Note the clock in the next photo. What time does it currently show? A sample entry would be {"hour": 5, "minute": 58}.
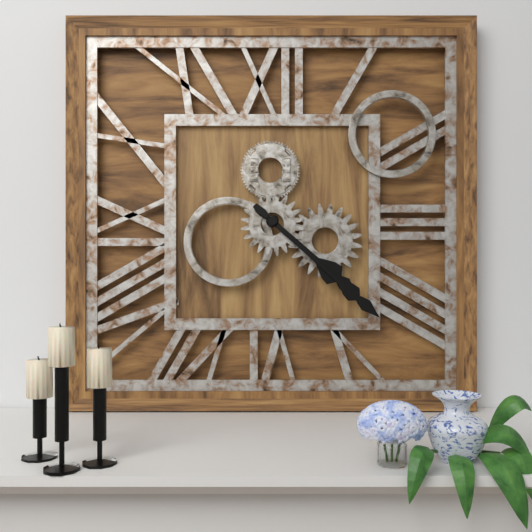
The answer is {"hour": 4, "minute": 22}
